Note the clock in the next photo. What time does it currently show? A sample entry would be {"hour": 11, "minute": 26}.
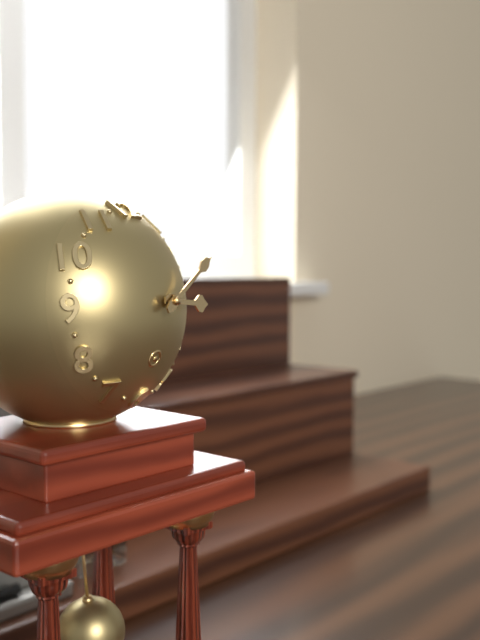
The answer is {"hour": 3, "minute": 10}
